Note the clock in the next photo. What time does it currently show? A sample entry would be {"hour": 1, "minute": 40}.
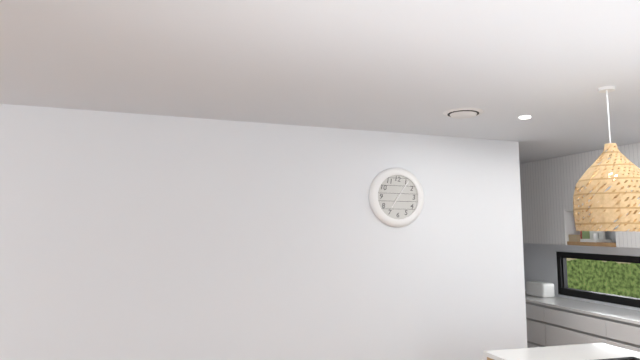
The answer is {"hour": 7, "minute": 6}
